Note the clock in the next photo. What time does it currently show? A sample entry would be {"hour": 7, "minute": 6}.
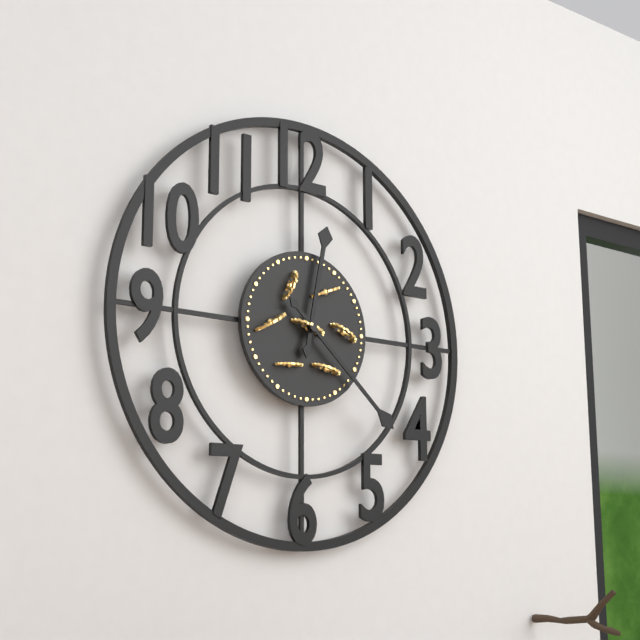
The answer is {"hour": 12, "minute": 22}
